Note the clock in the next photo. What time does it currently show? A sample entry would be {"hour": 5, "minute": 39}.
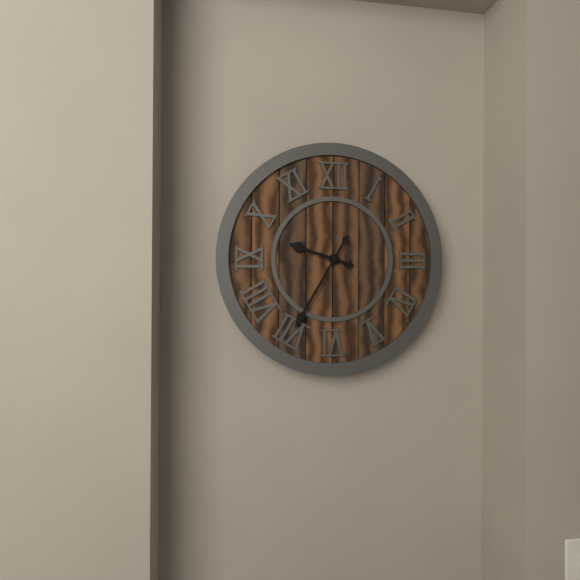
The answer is {"hour": 9, "minute": 35}
